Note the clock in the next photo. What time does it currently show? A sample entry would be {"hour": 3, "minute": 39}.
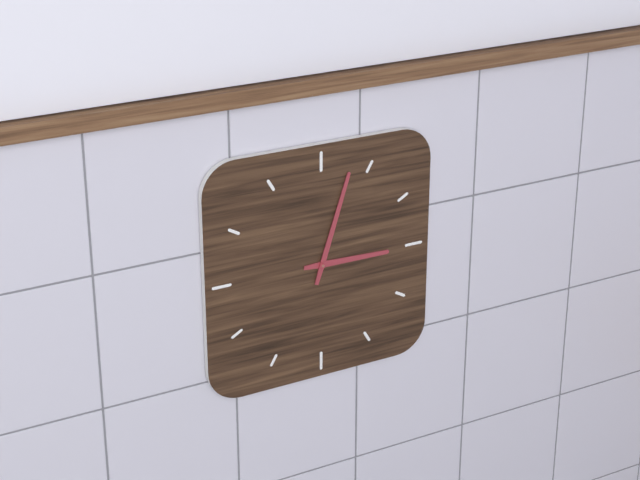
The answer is {"hour": 3, "minute": 3}
